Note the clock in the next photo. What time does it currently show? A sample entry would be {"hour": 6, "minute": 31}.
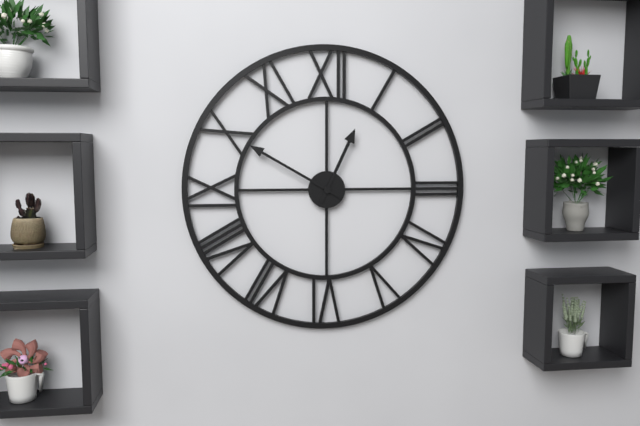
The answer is {"hour": 12, "minute": 50}
